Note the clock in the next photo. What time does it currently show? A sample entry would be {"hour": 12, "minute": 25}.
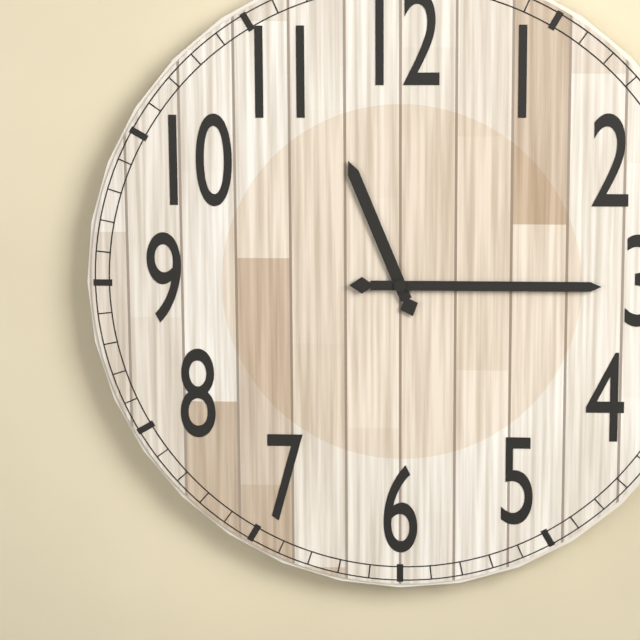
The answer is {"hour": 11, "minute": 15}
